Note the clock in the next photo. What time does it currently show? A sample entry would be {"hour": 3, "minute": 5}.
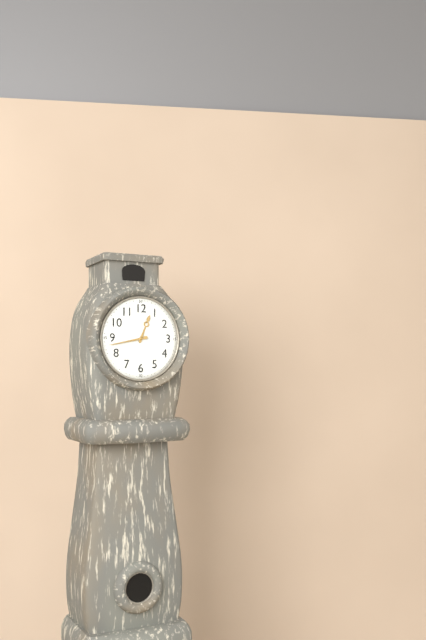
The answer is {"hour": 12, "minute": 43}
